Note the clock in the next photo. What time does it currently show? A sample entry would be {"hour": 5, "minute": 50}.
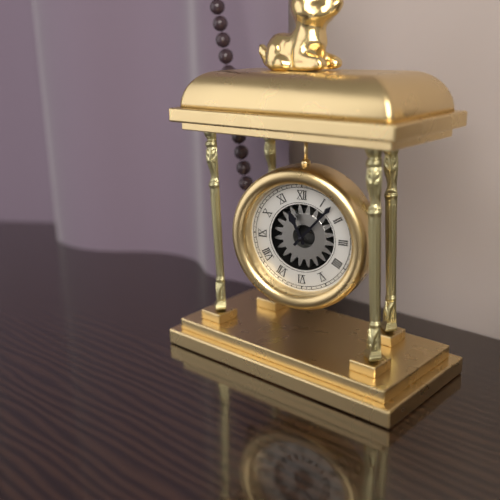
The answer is {"hour": 11, "minute": 7}
